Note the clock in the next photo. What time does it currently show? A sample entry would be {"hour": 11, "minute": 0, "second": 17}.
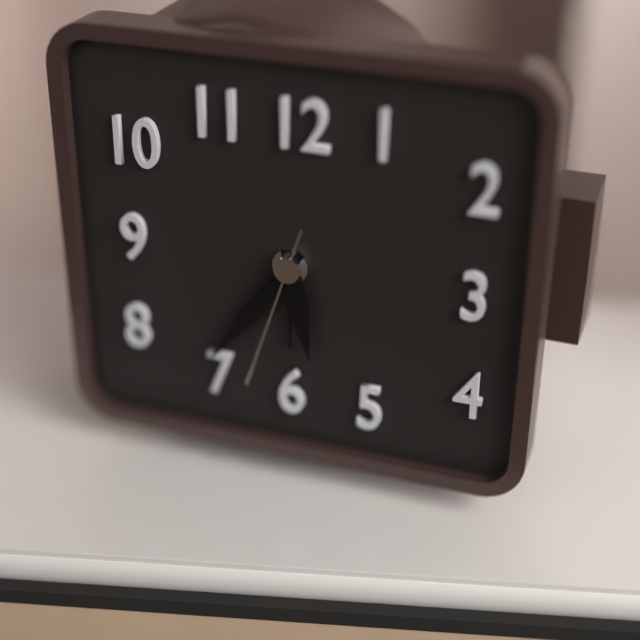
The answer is {"hour": 5, "minute": 36, "second": 33}
